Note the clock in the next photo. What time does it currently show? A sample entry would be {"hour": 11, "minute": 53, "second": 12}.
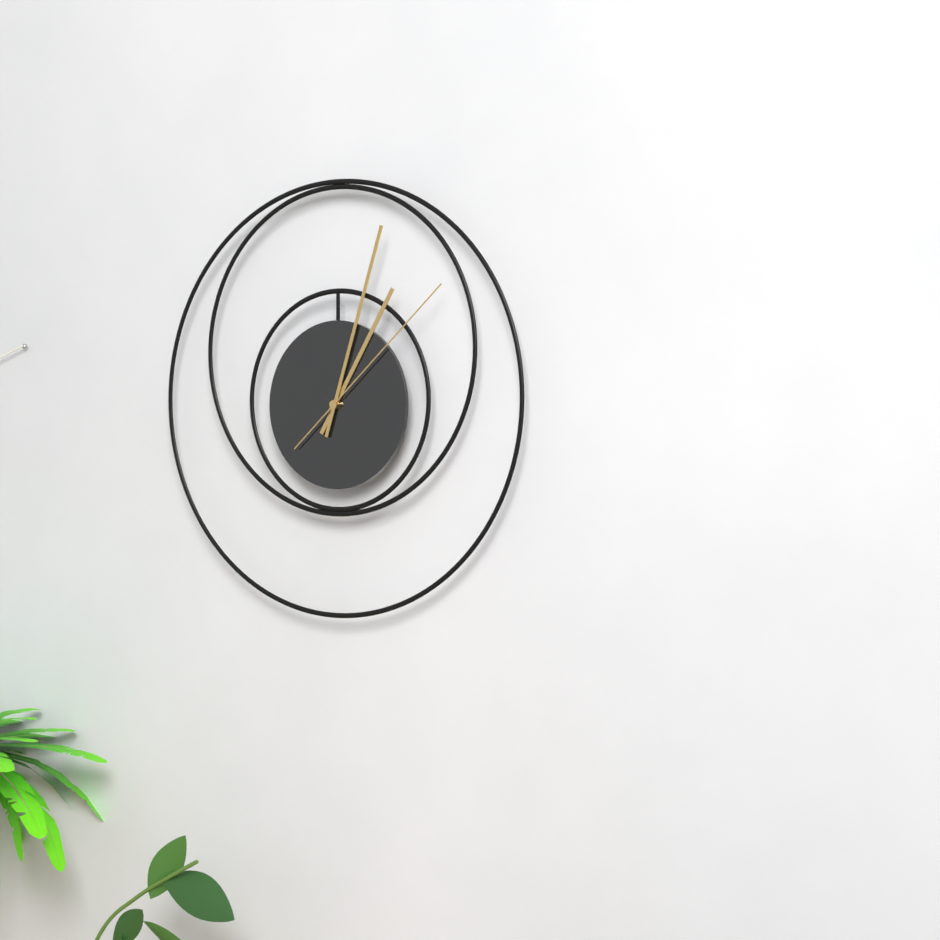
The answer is {"hour": 1, "minute": 3, "second": 8}
